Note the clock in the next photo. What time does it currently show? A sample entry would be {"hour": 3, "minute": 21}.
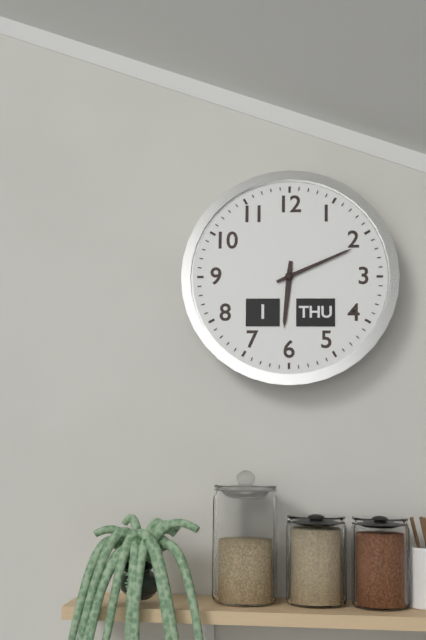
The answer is {"hour": 6, "minute": 11}
